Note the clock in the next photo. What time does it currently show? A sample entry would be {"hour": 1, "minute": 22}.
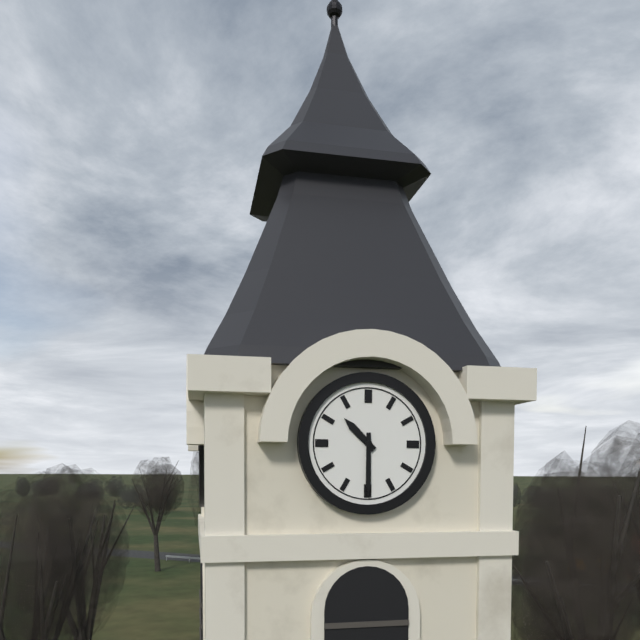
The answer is {"hour": 10, "minute": 30}
